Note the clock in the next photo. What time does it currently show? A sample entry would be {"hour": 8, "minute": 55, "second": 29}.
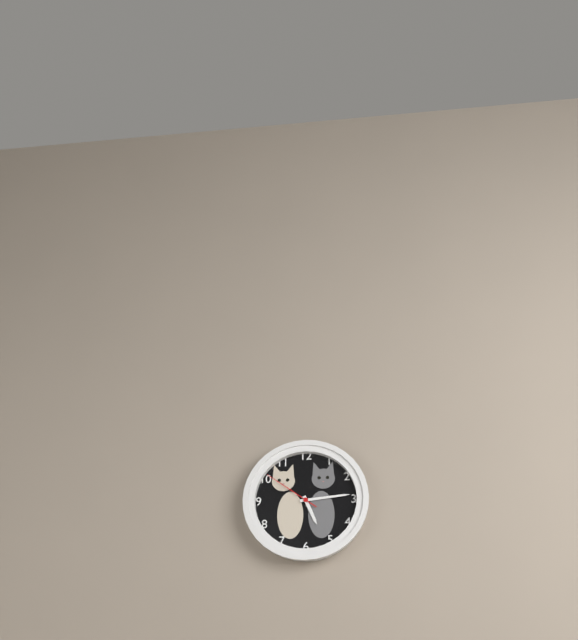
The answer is {"hour": 5, "minute": 14, "second": 51}
